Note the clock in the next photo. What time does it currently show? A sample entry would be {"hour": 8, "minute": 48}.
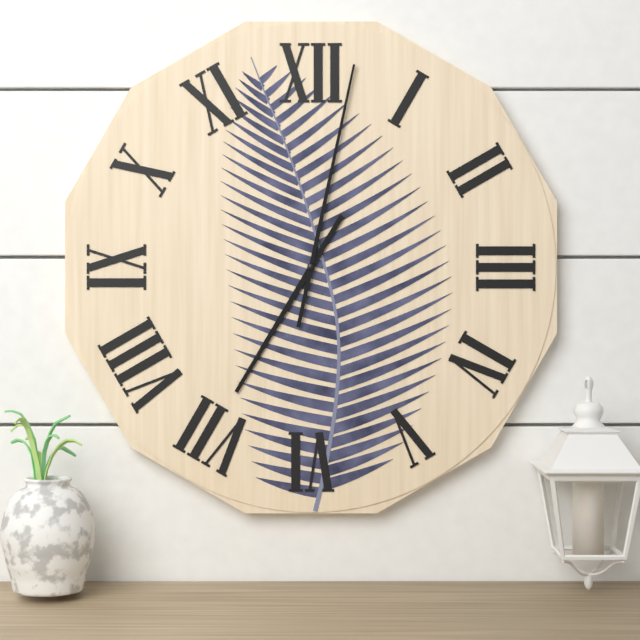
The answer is {"hour": 7, "minute": 2}
